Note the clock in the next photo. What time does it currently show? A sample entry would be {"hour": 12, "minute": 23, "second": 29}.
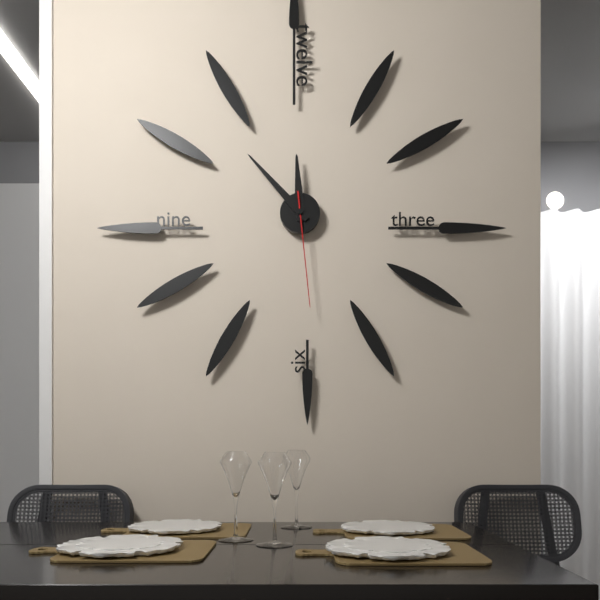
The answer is {"hour": 11, "minute": 53, "second": 29}
